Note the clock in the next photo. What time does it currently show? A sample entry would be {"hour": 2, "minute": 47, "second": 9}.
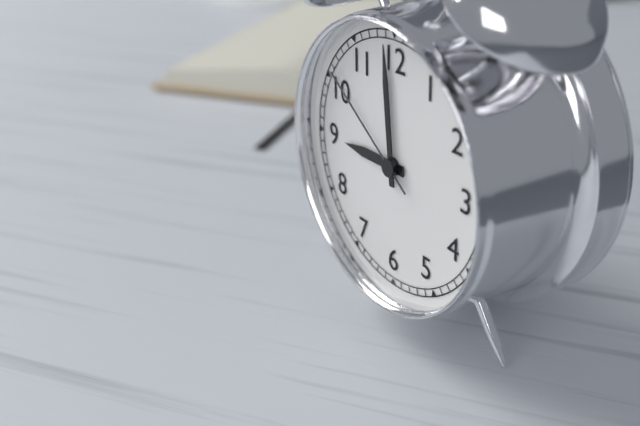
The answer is {"hour": 8, "minute": 59, "second": 51}
